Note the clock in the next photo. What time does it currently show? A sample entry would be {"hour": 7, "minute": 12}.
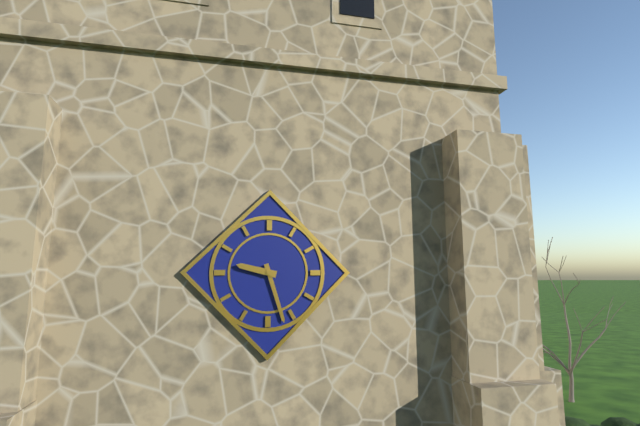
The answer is {"hour": 9, "minute": 27}
